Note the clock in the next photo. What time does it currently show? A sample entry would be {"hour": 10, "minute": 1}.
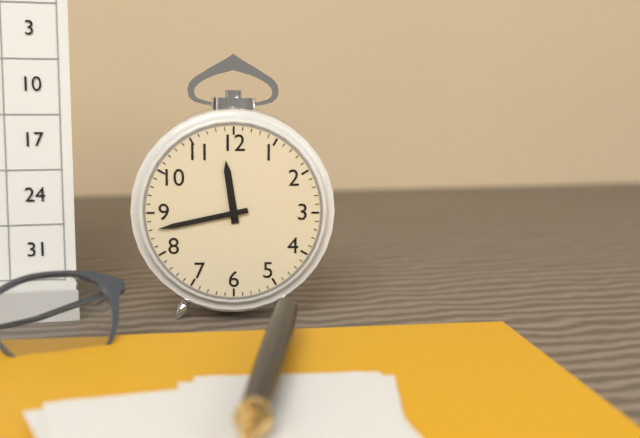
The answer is {"hour": 11, "minute": 43}
